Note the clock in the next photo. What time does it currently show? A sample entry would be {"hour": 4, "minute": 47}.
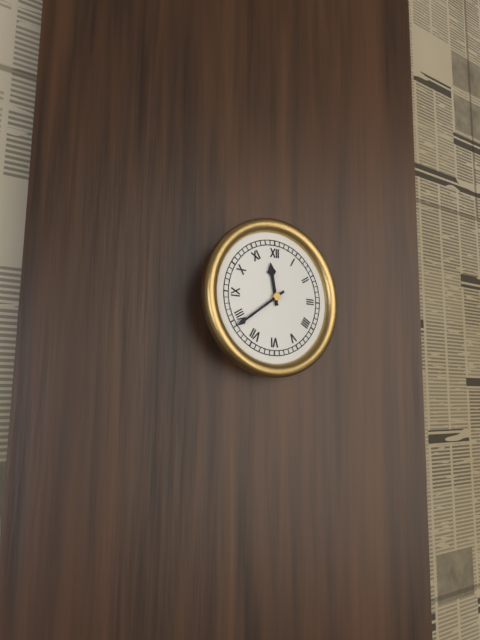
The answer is {"hour": 11, "minute": 39}
